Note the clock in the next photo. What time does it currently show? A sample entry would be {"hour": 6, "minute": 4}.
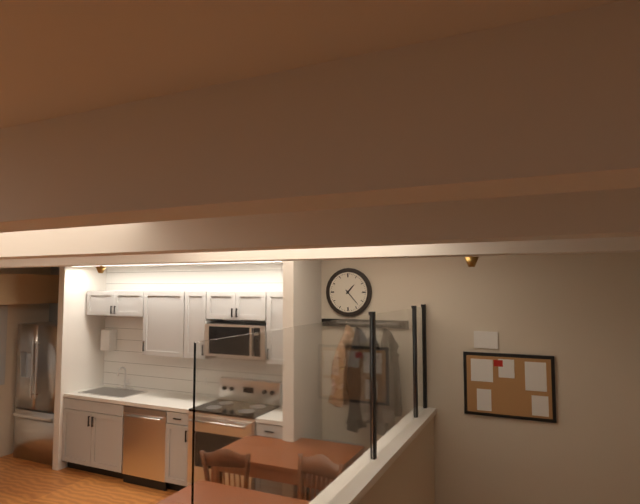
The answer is {"hour": 1, "minute": 23}
